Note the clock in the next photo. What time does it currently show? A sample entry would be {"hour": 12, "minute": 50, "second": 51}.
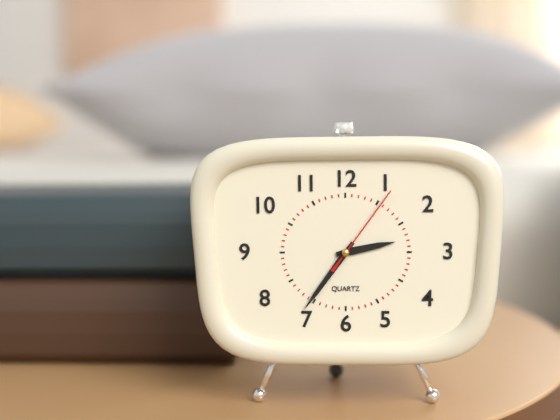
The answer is {"hour": 2, "minute": 36, "second": 6}
